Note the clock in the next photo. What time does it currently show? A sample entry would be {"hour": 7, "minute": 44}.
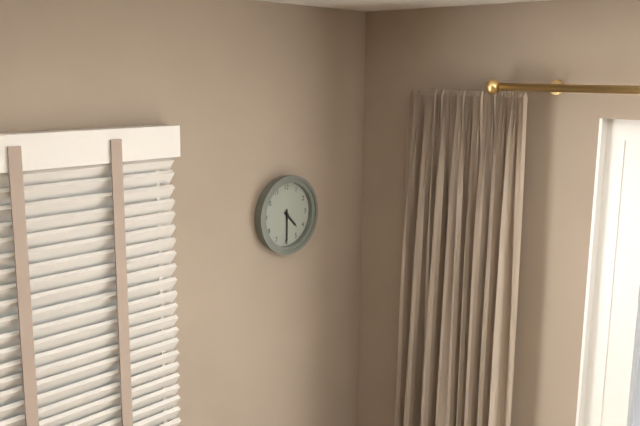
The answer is {"hour": 4, "minute": 30}
